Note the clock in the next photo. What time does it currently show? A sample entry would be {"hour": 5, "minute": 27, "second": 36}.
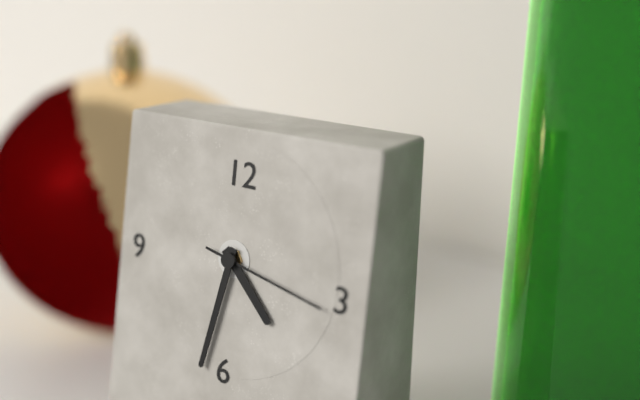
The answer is {"hour": 4, "minute": 32, "second": 17}
